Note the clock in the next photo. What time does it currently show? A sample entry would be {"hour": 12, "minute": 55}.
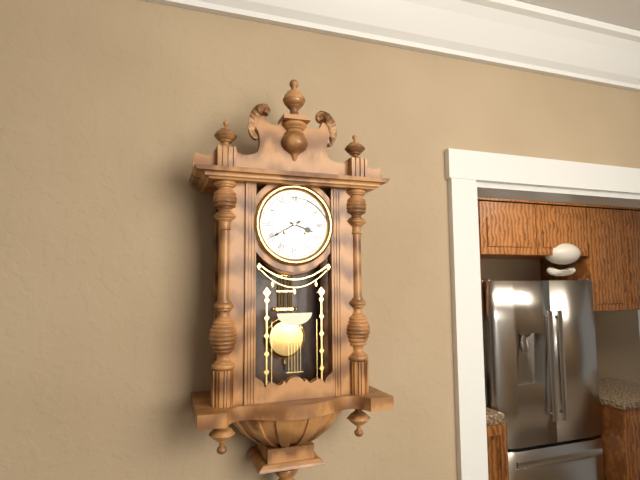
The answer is {"hour": 3, "minute": 40}
